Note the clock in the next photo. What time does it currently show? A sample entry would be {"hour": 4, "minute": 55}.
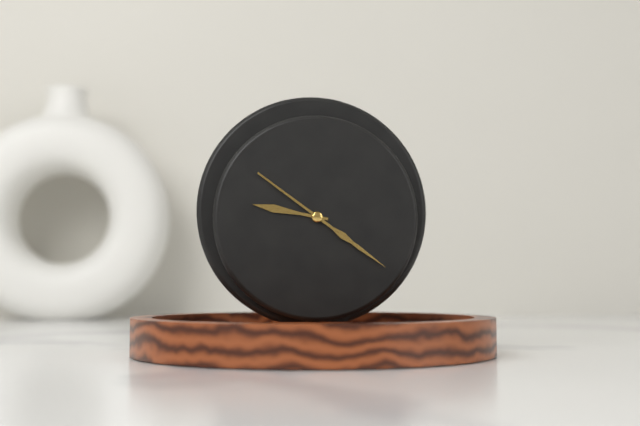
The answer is {"hour": 9, "minute": 21}
